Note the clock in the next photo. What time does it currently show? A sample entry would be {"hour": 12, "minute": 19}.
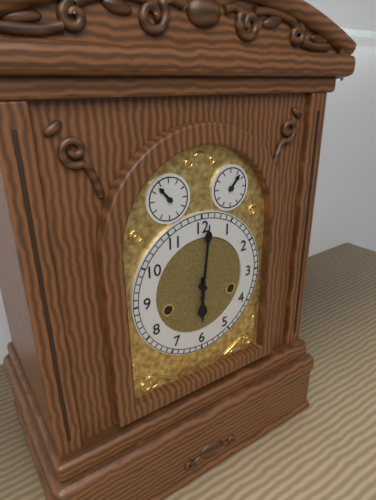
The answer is {"hour": 6, "minute": 1}
